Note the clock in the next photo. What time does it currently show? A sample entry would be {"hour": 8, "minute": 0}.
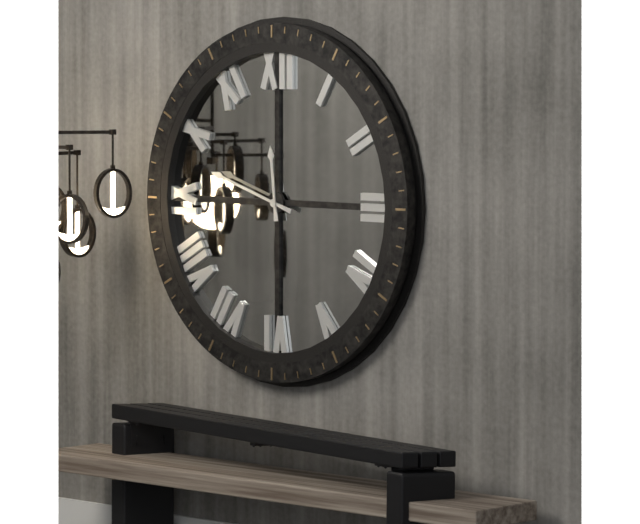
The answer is {"hour": 11, "minute": 48}
